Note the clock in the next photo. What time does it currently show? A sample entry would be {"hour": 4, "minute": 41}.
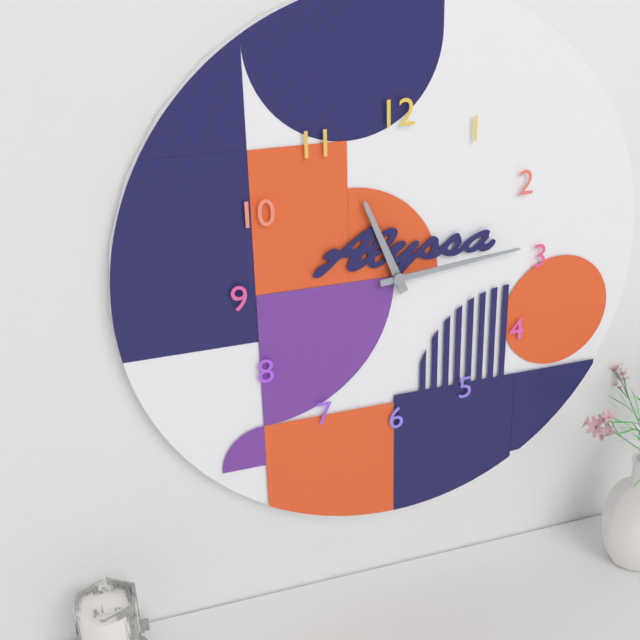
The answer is {"hour": 11, "minute": 14}
